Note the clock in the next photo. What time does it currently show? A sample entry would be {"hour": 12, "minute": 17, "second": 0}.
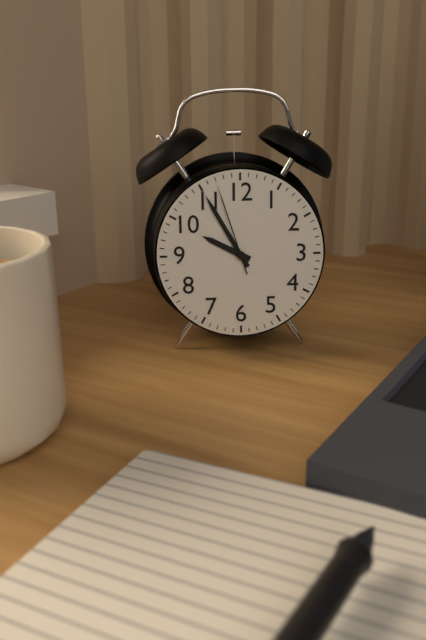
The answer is {"hour": 9, "minute": 55, "second": 57}
